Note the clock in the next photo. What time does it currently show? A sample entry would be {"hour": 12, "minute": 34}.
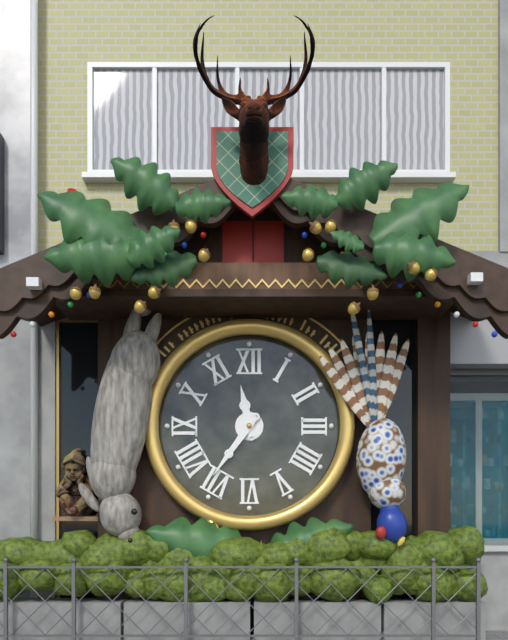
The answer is {"hour": 11, "minute": 36}
